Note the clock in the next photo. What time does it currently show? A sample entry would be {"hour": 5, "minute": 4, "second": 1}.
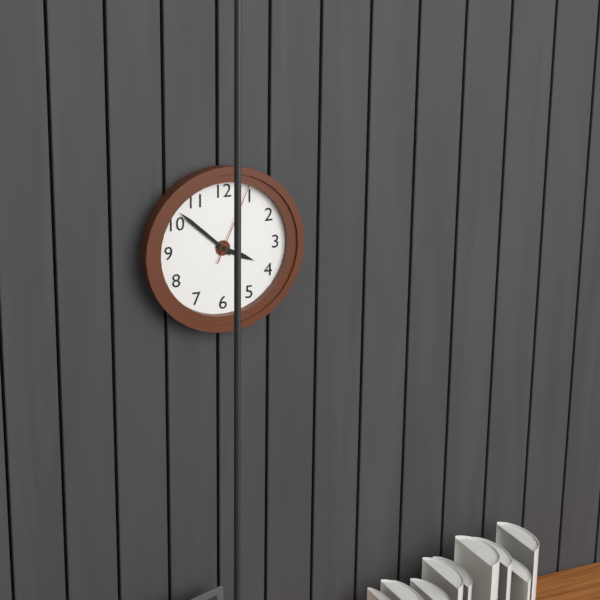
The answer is {"hour": 3, "minute": 52, "second": 4}
